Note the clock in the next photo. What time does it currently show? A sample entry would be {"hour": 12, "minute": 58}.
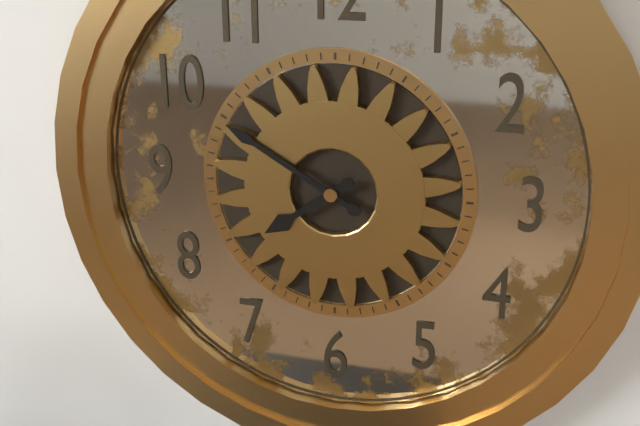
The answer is {"hour": 7, "minute": 50}
